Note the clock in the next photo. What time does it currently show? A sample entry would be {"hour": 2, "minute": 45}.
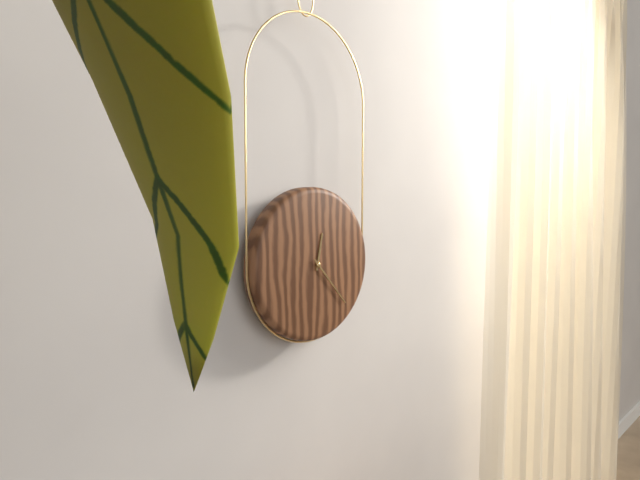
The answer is {"hour": 12, "minute": 23}
